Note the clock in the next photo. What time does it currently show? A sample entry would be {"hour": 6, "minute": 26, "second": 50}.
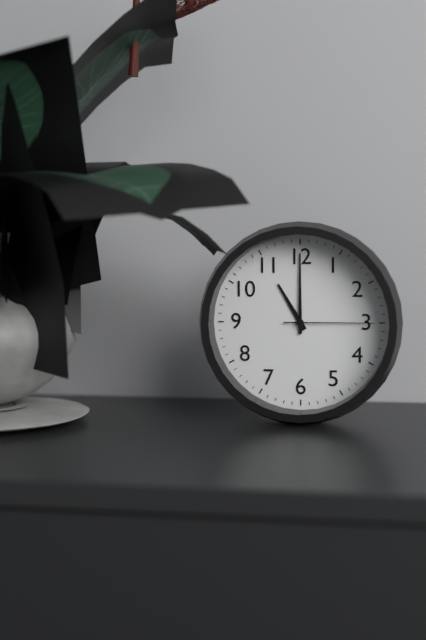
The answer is {"hour": 11, "minute": 0, "second": 15}
